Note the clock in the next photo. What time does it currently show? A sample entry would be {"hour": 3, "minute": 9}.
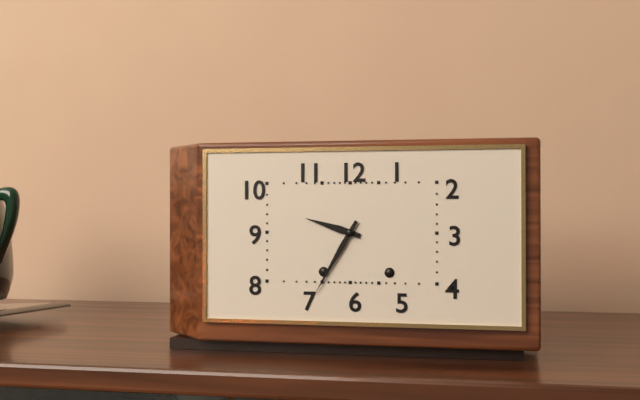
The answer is {"hour": 9, "minute": 35}
